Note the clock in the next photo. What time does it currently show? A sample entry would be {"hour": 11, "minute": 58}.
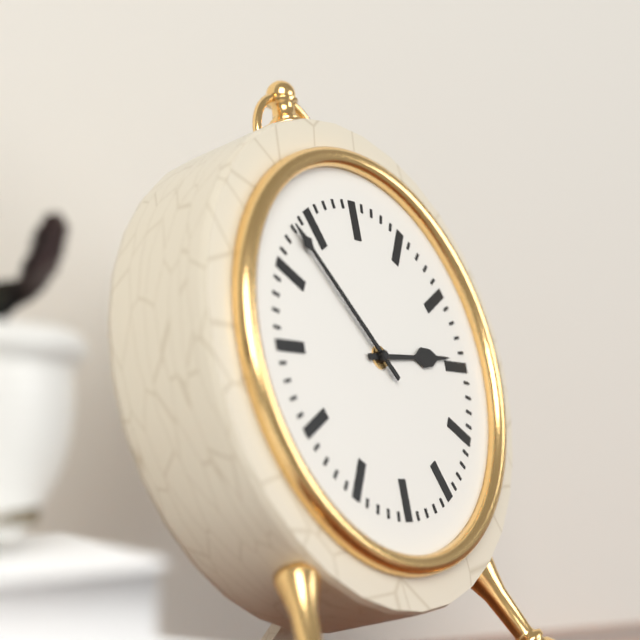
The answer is {"hour": 2, "minute": 53}
